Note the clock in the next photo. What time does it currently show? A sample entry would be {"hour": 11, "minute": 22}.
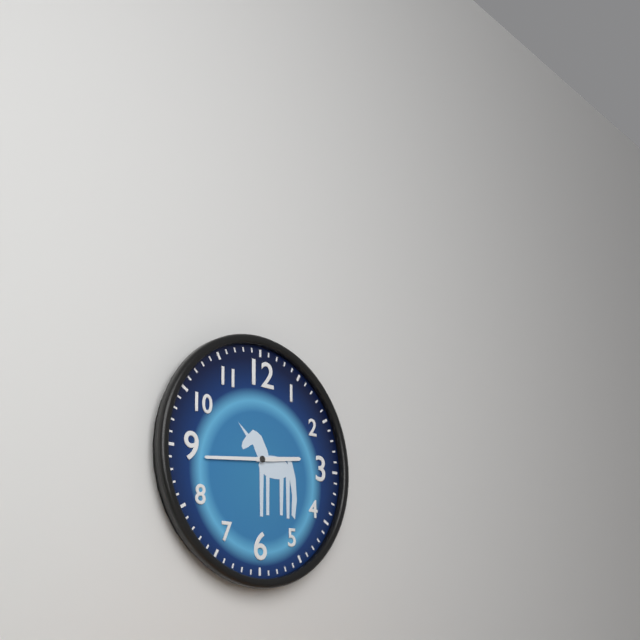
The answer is {"hour": 2, "minute": 44}
